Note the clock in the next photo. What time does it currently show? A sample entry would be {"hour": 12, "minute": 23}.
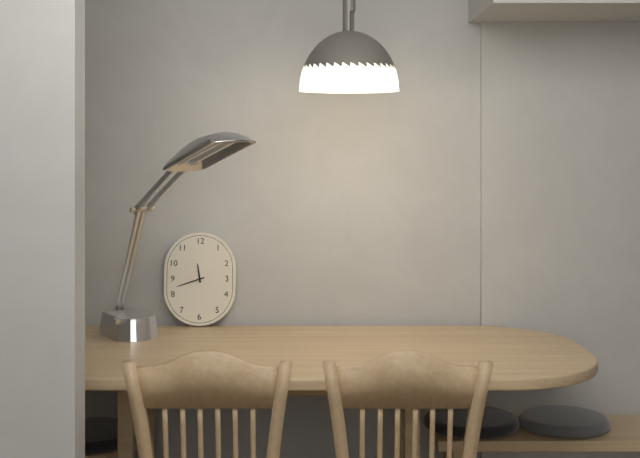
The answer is {"hour": 11, "minute": 42}
